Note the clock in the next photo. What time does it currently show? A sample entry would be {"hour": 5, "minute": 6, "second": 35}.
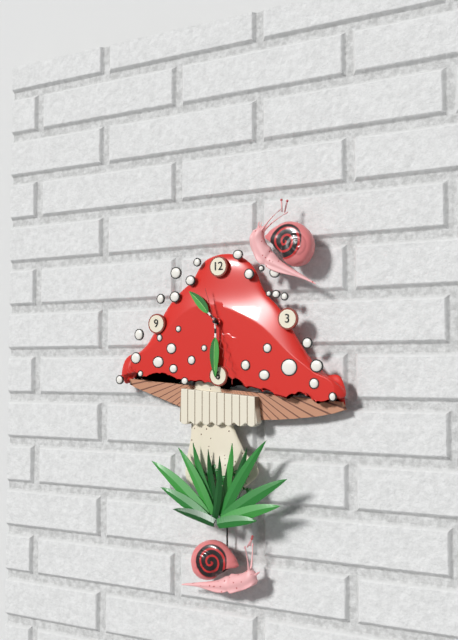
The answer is {"hour": 10, "minute": 30, "second": 27}
